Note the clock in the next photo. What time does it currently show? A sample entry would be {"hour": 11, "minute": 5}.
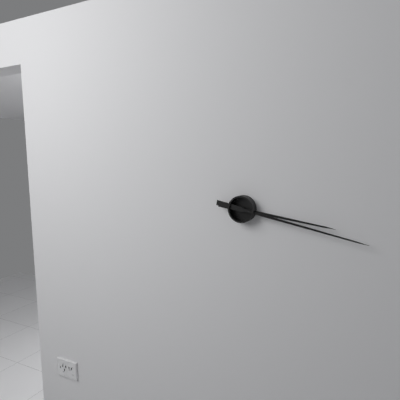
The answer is {"hour": 3, "minute": 17}
